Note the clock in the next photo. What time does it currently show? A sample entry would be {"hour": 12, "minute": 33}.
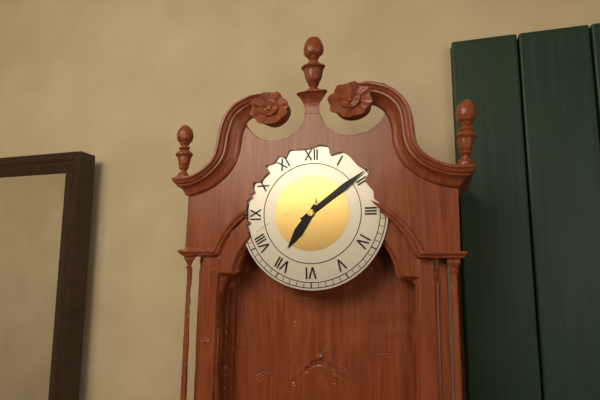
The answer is {"hour": 7, "minute": 9}
